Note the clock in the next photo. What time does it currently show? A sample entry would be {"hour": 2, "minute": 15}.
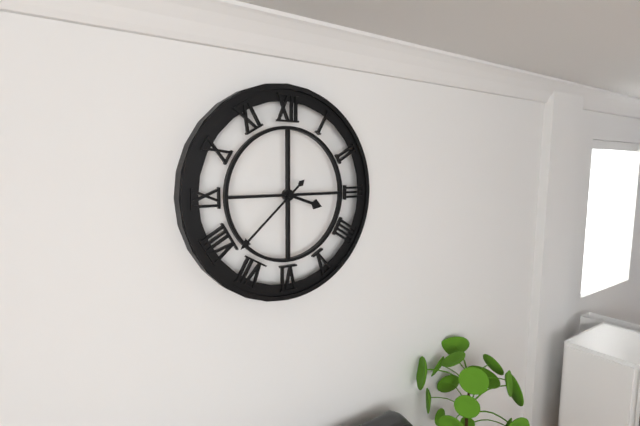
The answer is {"hour": 3, "minute": 38}
